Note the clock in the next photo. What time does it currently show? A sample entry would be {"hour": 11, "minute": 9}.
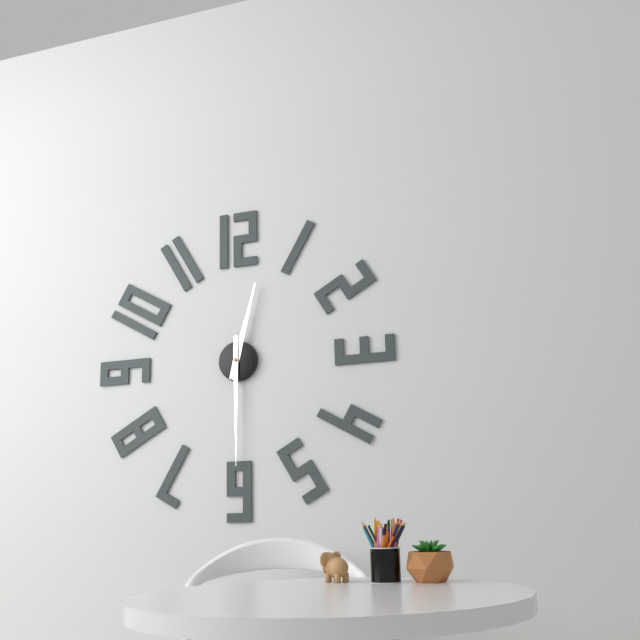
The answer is {"hour": 12, "minute": 30}
